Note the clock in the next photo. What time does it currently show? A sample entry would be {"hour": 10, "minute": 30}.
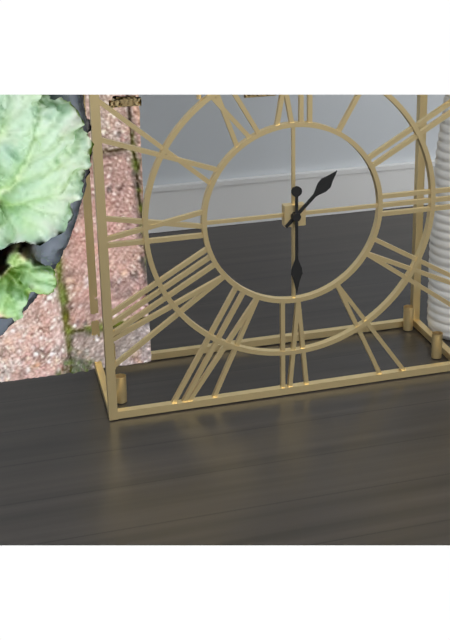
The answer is {"hour": 1, "minute": 30}
